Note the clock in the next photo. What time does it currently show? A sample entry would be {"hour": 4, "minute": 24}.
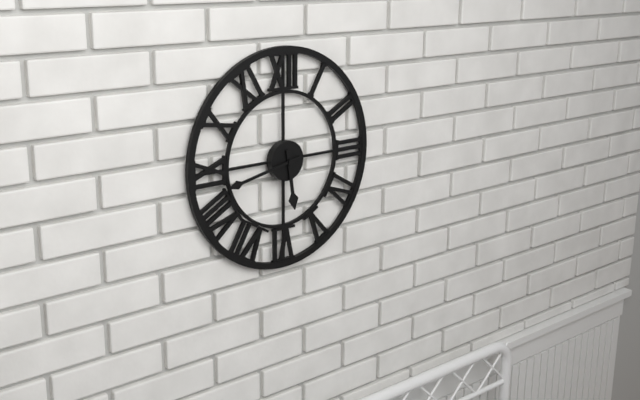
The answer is {"hour": 5, "minute": 43}
